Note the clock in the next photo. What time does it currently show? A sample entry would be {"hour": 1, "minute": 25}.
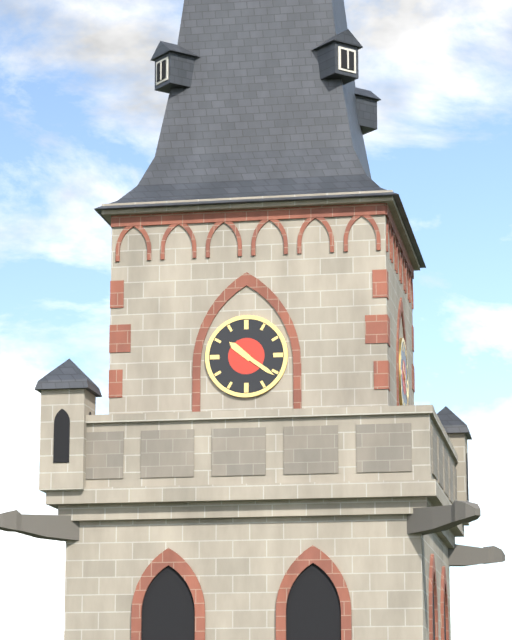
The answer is {"hour": 10, "minute": 21}
